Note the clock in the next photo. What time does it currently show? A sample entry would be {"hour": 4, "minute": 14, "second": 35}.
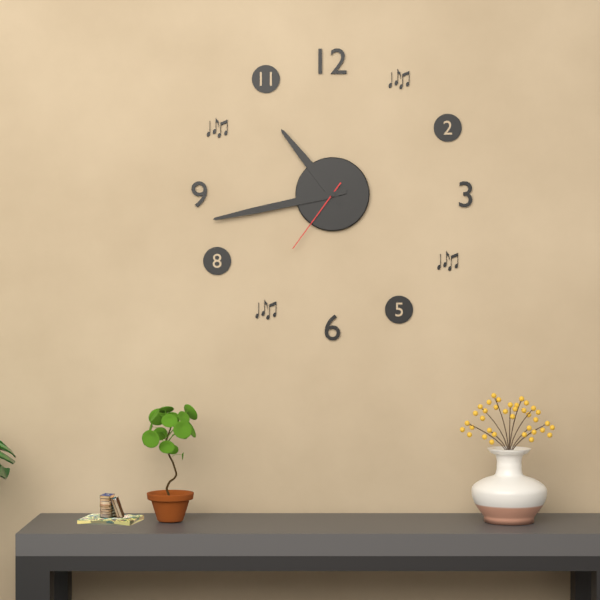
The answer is {"hour": 10, "minute": 43, "second": 36}
